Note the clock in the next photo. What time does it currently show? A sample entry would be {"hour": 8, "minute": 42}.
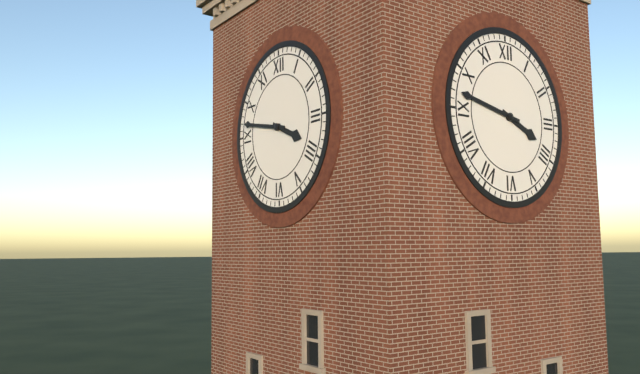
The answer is {"hour": 3, "minute": 47}
